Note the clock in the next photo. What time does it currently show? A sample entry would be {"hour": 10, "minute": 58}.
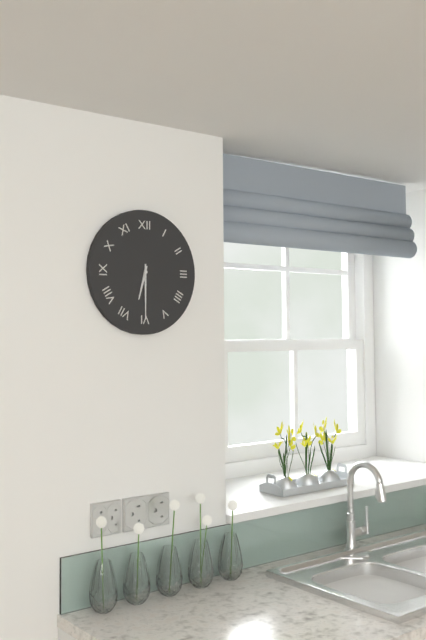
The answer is {"hour": 6, "minute": 30}
